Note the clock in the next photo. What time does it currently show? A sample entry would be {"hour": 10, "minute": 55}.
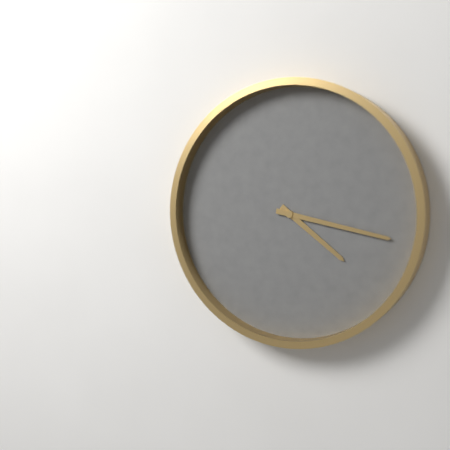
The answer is {"hour": 4, "minute": 17}
